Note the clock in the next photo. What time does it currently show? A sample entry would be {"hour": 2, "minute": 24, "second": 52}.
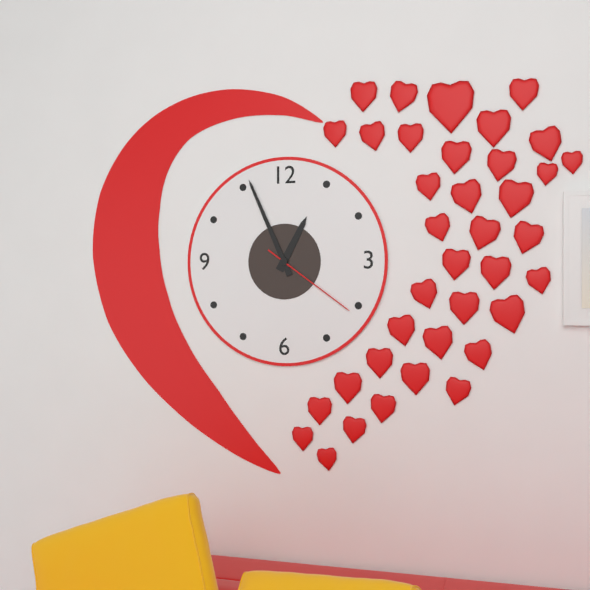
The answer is {"hour": 12, "minute": 56, "second": 21}
